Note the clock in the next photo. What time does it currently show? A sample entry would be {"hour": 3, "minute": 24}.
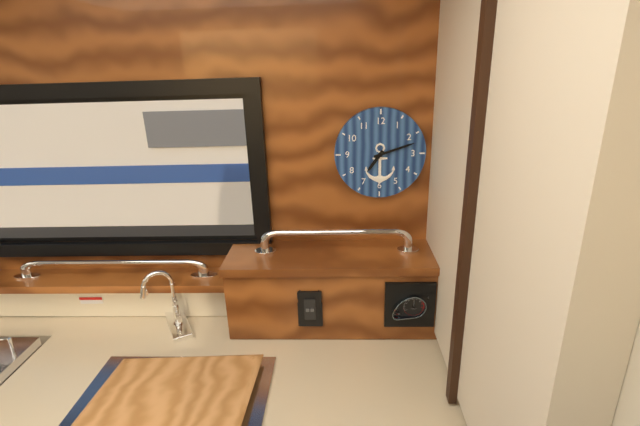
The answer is {"hour": 7, "minute": 12}
